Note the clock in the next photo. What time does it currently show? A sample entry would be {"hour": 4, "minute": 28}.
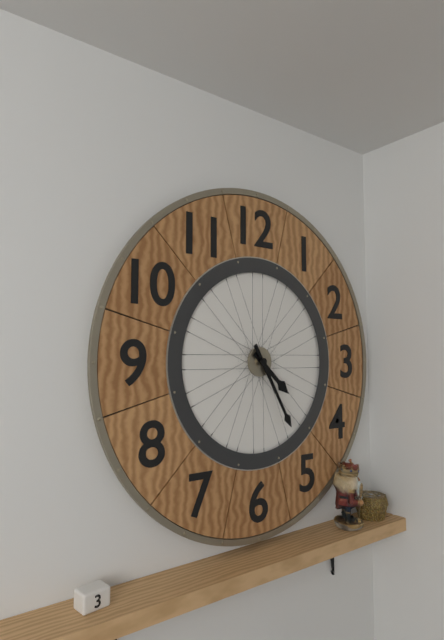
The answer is {"hour": 4, "minute": 25}
